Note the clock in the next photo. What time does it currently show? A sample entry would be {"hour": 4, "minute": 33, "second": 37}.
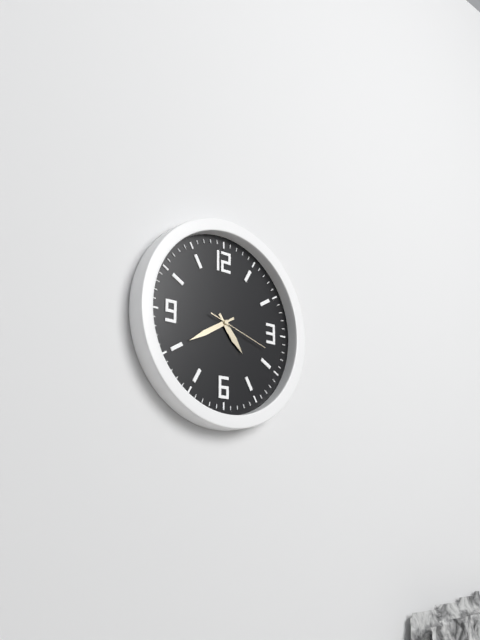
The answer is {"hour": 4, "minute": 40, "second": 18}
